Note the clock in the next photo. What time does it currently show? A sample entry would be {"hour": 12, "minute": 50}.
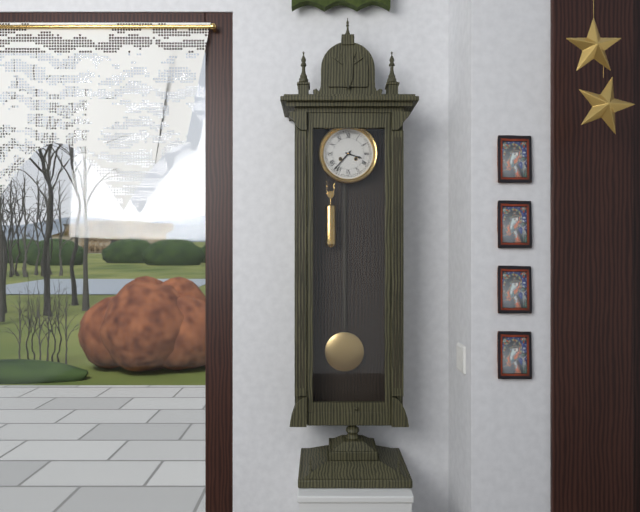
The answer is {"hour": 3, "minute": 37}
